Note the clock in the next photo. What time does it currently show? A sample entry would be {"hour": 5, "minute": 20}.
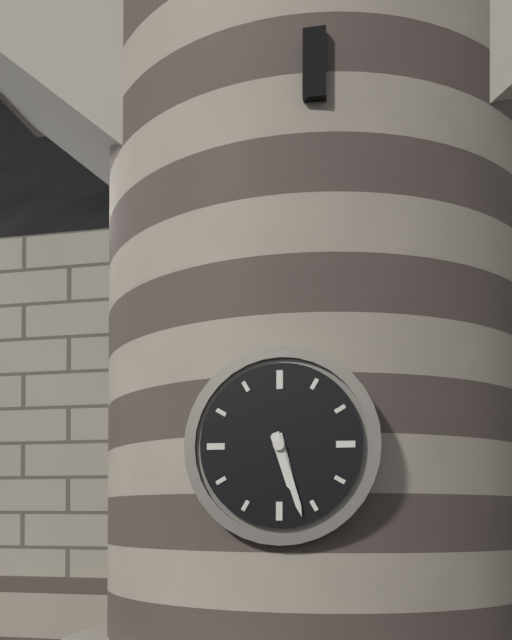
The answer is {"hour": 5, "minute": 27}
